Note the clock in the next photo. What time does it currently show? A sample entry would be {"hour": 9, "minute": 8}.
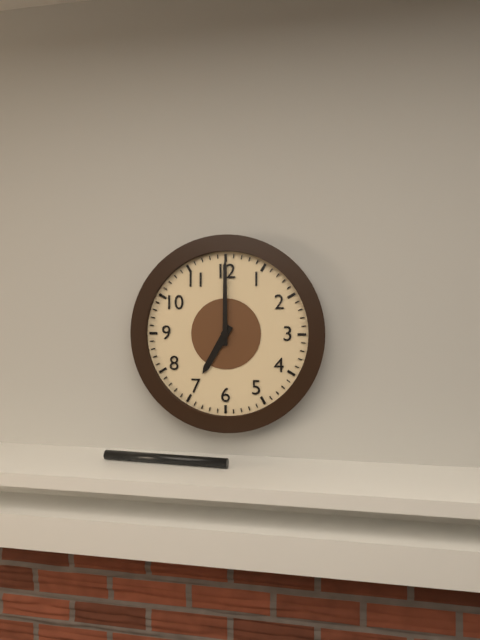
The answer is {"hour": 7, "minute": 0}
